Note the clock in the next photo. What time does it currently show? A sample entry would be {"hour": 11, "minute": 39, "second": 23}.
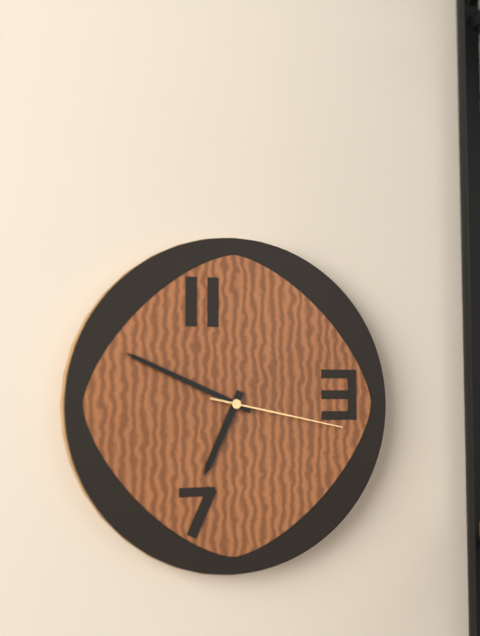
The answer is {"hour": 6, "minute": 49, "second": 17}
